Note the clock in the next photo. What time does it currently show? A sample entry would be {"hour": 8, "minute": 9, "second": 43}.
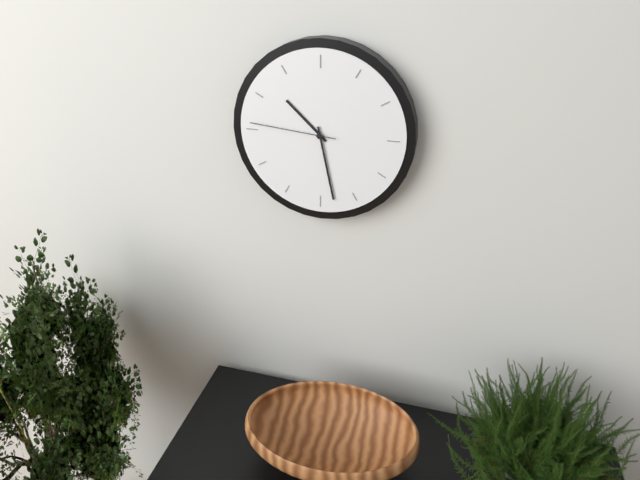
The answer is {"hour": 10, "minute": 28, "second": 46}
